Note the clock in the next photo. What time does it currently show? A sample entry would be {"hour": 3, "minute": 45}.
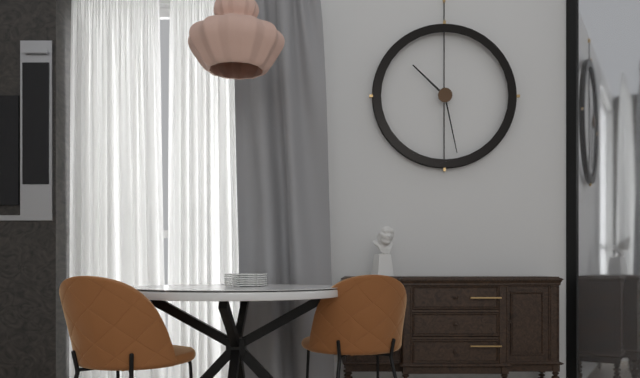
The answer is {"hour": 10, "minute": 28}
